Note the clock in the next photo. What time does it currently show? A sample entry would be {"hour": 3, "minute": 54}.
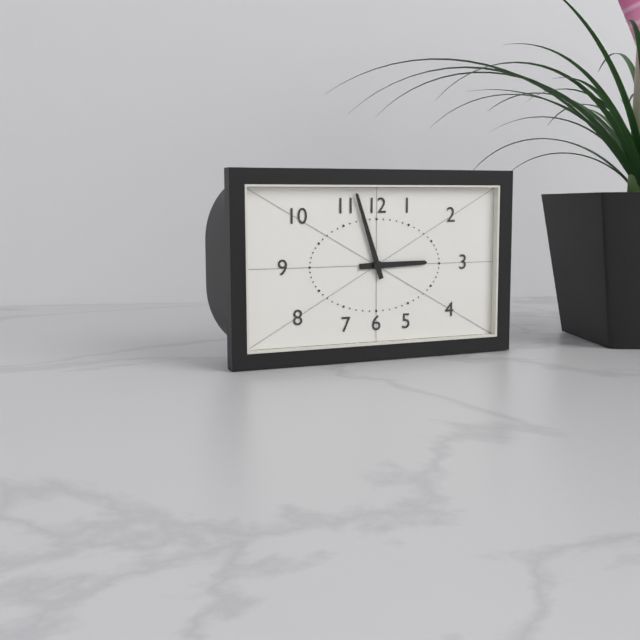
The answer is {"hour": 2, "minute": 57}
